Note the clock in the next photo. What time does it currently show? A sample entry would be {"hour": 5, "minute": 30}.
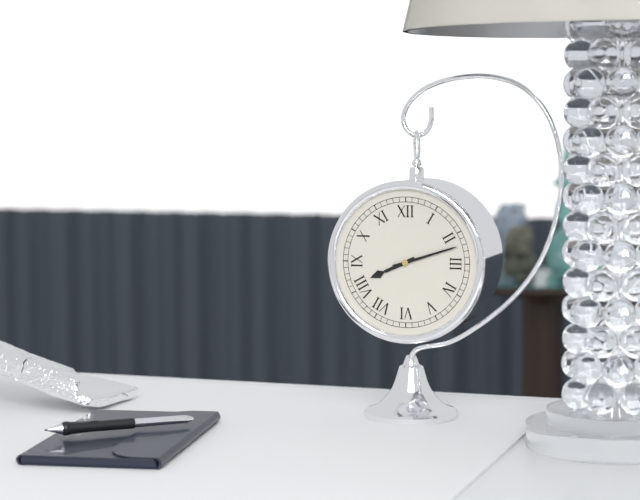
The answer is {"hour": 8, "minute": 12}
